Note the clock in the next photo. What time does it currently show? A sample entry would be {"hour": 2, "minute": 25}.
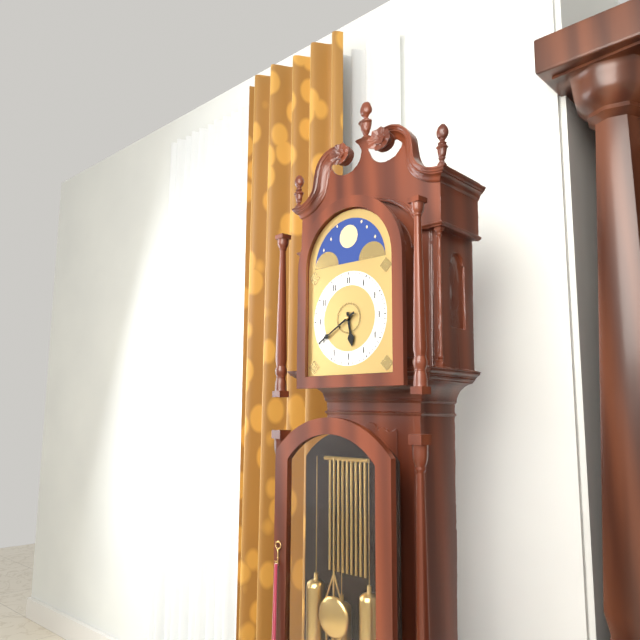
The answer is {"hour": 5, "minute": 40}
